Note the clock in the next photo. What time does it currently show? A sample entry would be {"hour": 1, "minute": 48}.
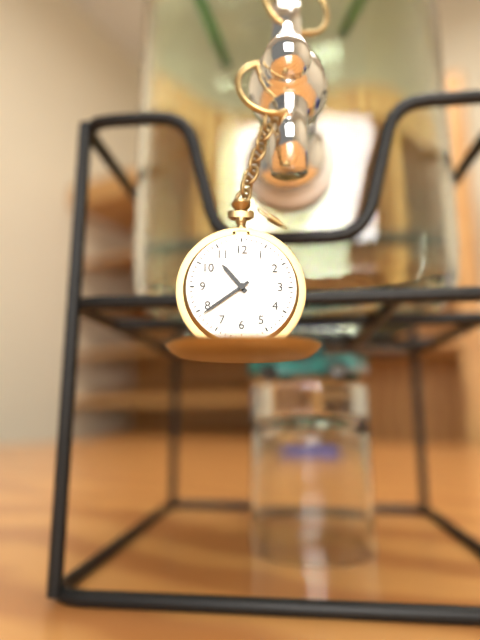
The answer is {"hour": 10, "minute": 39}
